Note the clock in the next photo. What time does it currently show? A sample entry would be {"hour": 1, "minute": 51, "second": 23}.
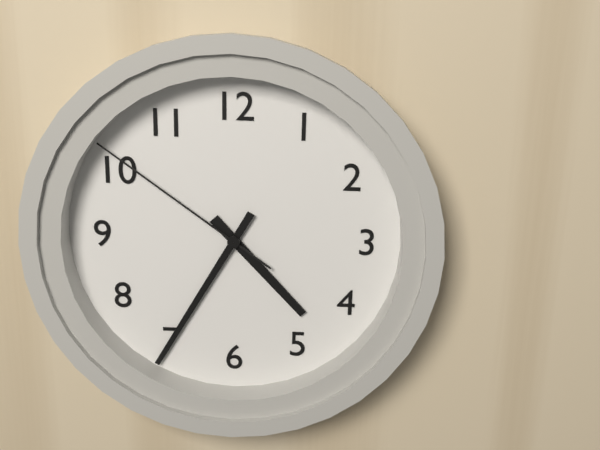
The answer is {"hour": 4, "minute": 35, "second": 51}
